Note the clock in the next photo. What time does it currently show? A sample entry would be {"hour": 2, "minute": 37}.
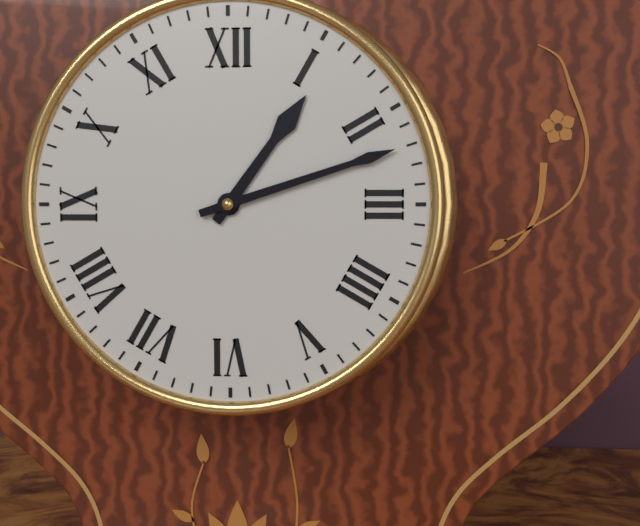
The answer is {"hour": 1, "minute": 12}
